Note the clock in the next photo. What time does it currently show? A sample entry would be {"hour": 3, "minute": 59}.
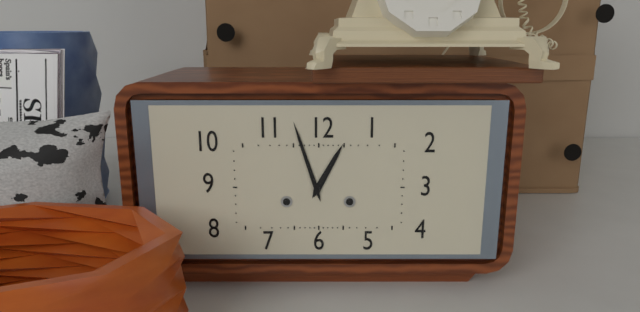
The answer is {"hour": 12, "minute": 57}
